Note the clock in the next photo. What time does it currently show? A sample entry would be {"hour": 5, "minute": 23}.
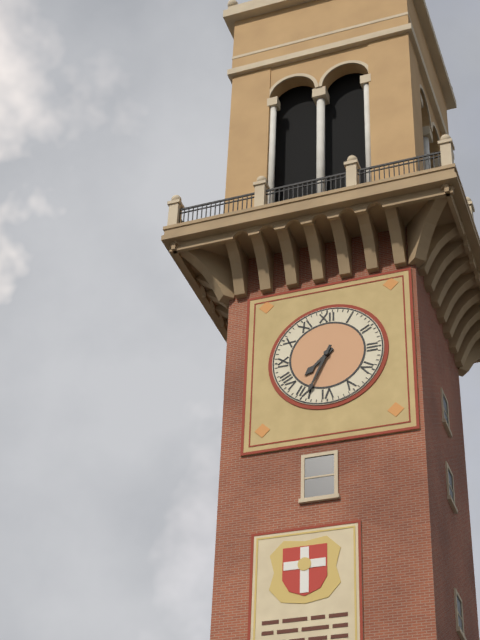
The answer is {"hour": 7, "minute": 34}
